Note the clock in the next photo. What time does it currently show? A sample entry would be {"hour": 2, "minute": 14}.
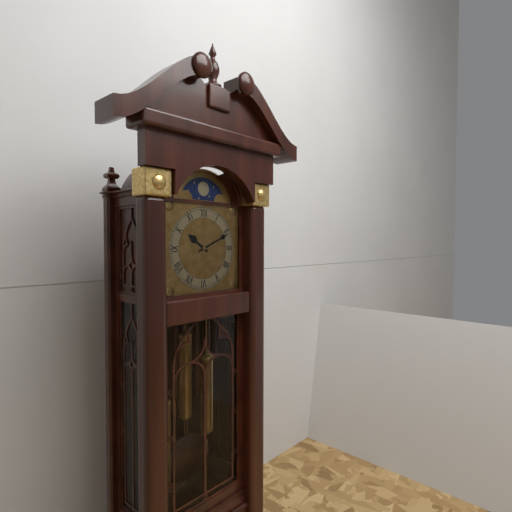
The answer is {"hour": 10, "minute": 11}
